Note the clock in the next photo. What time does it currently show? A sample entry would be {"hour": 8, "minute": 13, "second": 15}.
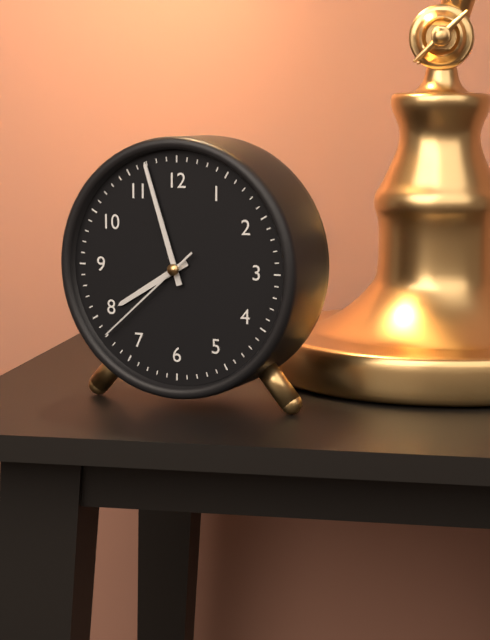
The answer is {"hour": 7, "minute": 57, "second": 38}
